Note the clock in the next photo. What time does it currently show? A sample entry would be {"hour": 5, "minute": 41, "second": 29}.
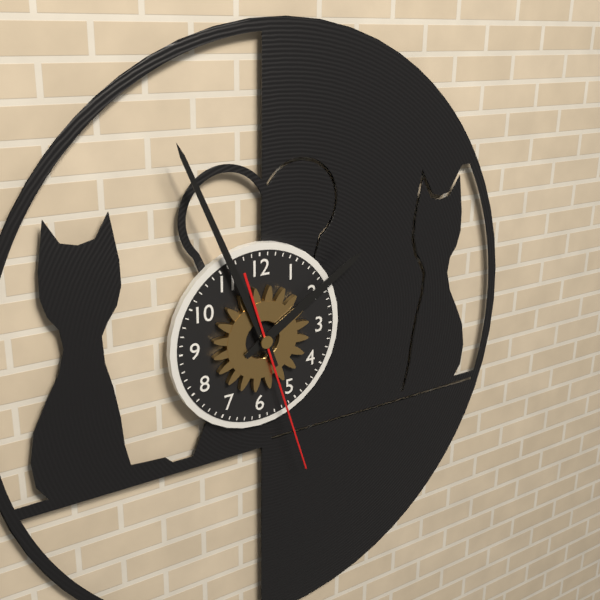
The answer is {"hour": 1, "minute": 56, "second": 27}
